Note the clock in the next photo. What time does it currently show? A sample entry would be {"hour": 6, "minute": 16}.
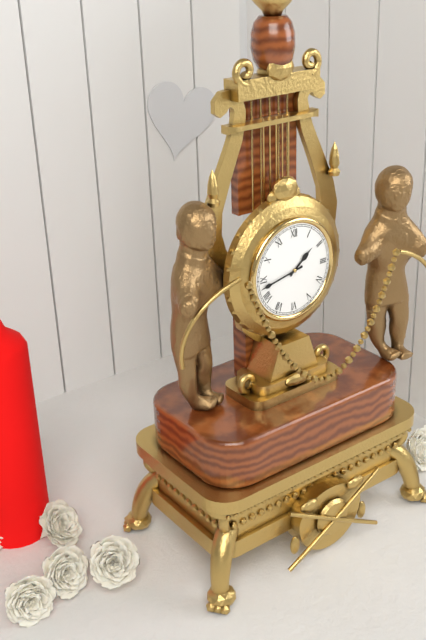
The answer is {"hour": 1, "minute": 43}
